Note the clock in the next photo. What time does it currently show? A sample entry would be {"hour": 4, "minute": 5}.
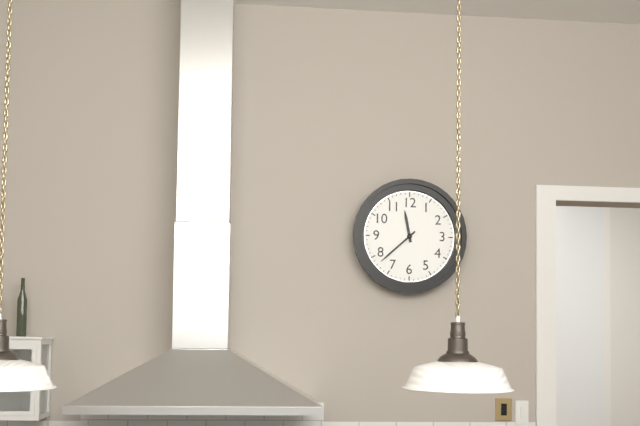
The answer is {"hour": 11, "minute": 38}
